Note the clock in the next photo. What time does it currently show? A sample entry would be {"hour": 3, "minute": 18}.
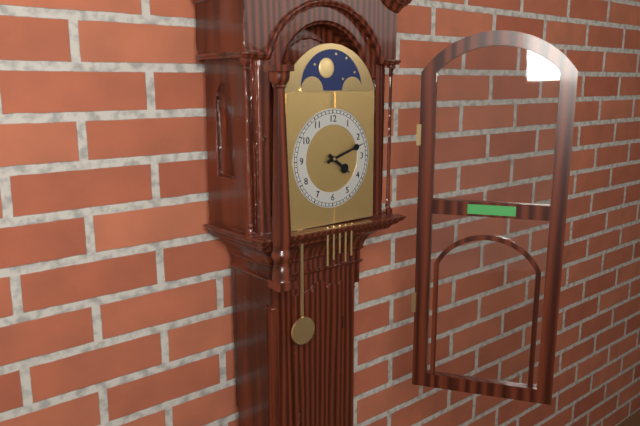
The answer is {"hour": 4, "minute": 12}
